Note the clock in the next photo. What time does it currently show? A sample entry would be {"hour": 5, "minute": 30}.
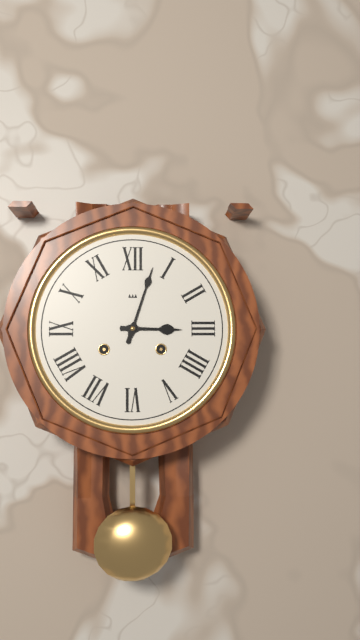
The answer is {"hour": 3, "minute": 3}
